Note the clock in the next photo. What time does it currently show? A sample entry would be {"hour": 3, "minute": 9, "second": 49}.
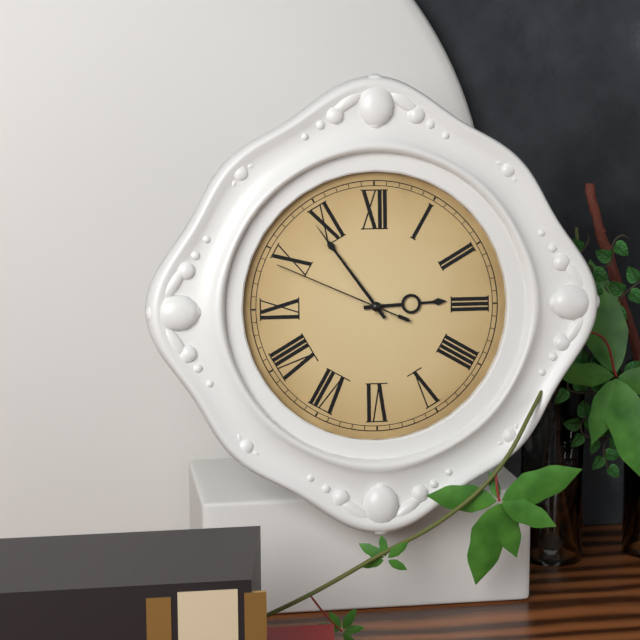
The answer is {"hour": 2, "minute": 54, "second": 49}
